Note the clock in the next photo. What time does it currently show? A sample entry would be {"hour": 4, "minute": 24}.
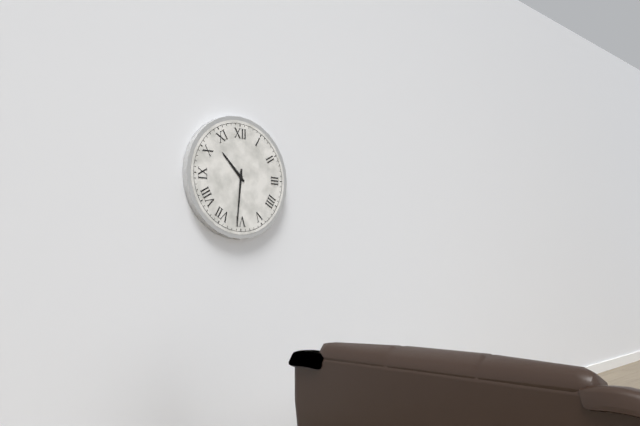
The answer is {"hour": 10, "minute": 31}
